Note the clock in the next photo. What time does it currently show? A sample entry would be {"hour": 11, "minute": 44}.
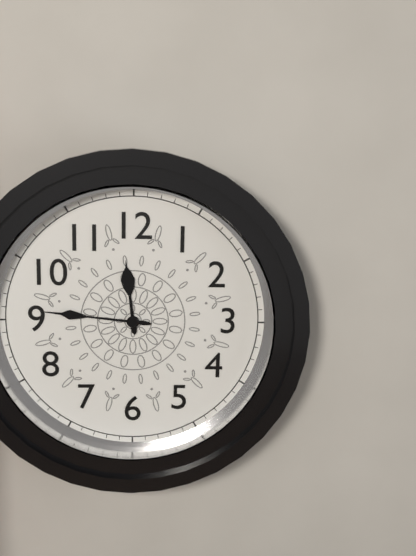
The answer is {"hour": 11, "minute": 46}
